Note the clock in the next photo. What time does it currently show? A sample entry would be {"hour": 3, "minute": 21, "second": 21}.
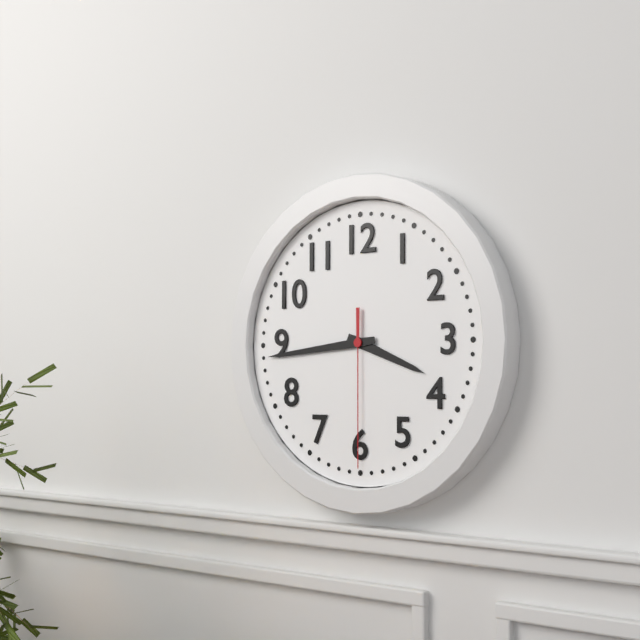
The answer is {"hour": 3, "minute": 44, "second": 30}
